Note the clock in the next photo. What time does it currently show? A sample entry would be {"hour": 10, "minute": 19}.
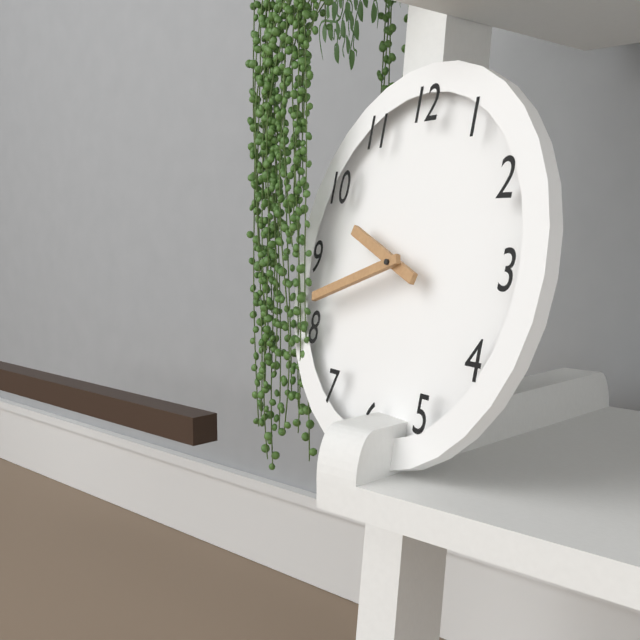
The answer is {"hour": 9, "minute": 42}
